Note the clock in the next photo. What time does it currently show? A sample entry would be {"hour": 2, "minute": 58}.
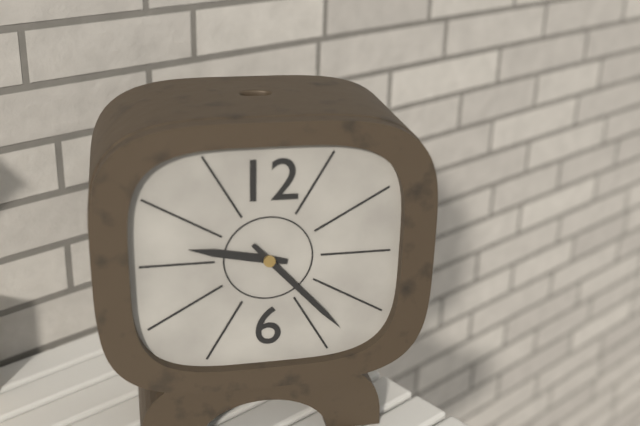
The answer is {"hour": 9, "minute": 23}
